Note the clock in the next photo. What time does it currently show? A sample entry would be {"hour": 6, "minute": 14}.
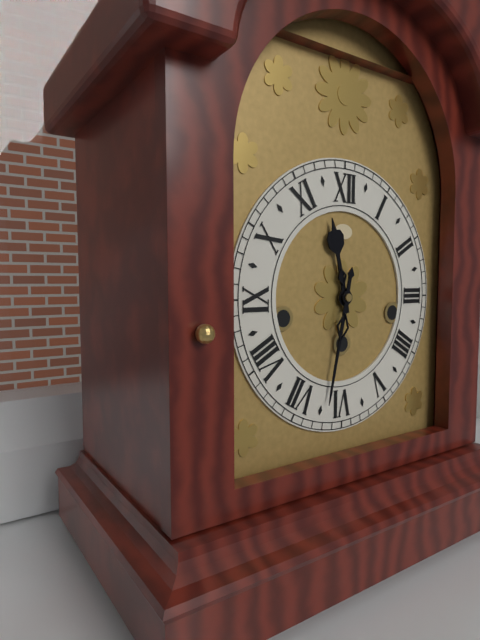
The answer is {"hour": 11, "minute": 32}
